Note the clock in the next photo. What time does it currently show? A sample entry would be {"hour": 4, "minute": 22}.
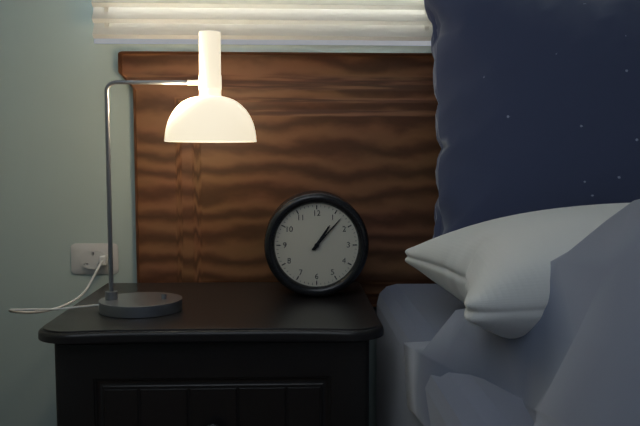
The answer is {"hour": 1, "minute": 7}
